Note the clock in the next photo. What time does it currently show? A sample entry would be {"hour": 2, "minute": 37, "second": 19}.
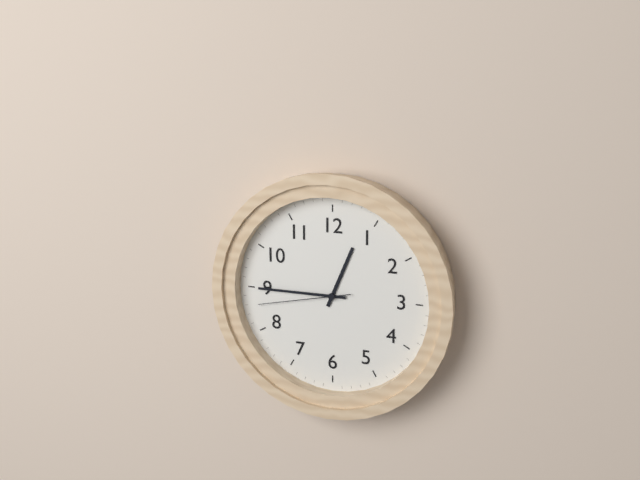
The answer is {"hour": 12, "minute": 45, "second": 43}
